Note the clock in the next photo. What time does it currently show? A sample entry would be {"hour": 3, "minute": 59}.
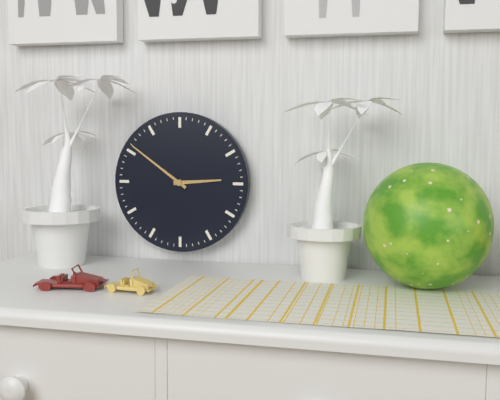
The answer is {"hour": 2, "minute": 51}
